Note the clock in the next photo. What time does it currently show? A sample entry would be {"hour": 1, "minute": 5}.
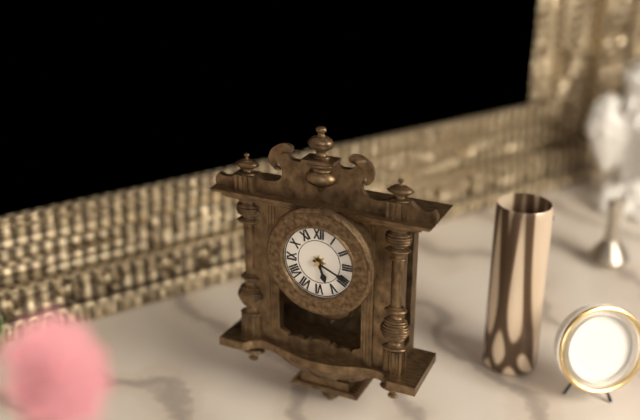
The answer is {"hour": 5, "minute": 19}
